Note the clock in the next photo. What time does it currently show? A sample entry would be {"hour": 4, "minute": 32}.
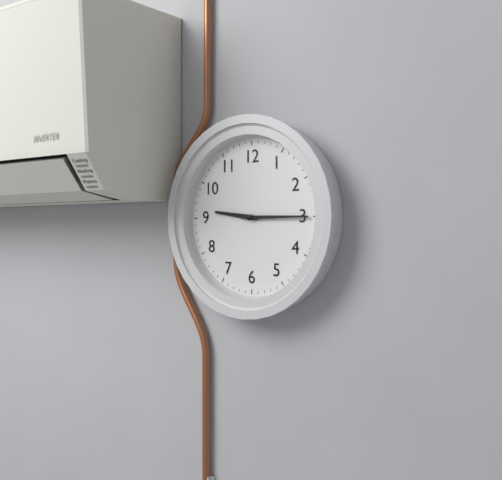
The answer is {"hour": 9, "minute": 15}
